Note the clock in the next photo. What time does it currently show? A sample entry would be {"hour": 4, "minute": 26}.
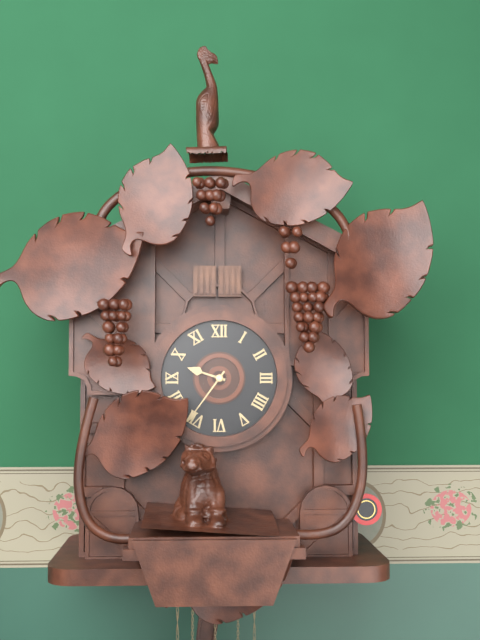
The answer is {"hour": 9, "minute": 36}
